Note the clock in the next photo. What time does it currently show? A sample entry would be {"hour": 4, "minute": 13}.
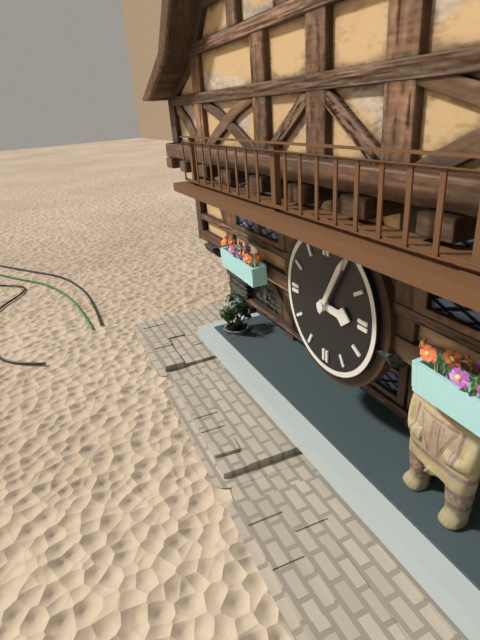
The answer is {"hour": 3, "minute": 5}
